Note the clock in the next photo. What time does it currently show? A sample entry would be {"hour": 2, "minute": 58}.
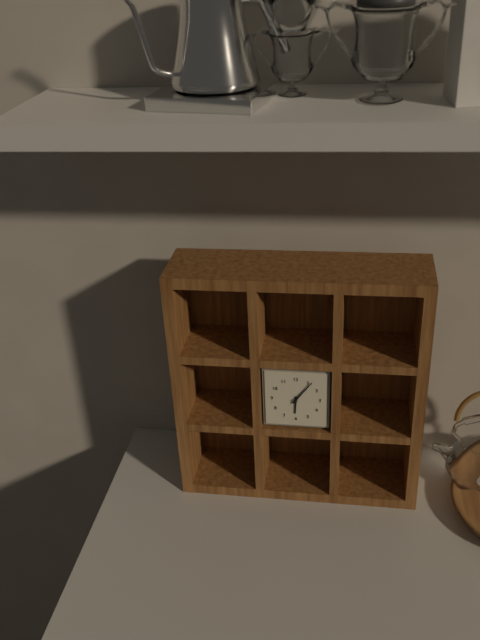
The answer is {"hour": 6, "minute": 6}
